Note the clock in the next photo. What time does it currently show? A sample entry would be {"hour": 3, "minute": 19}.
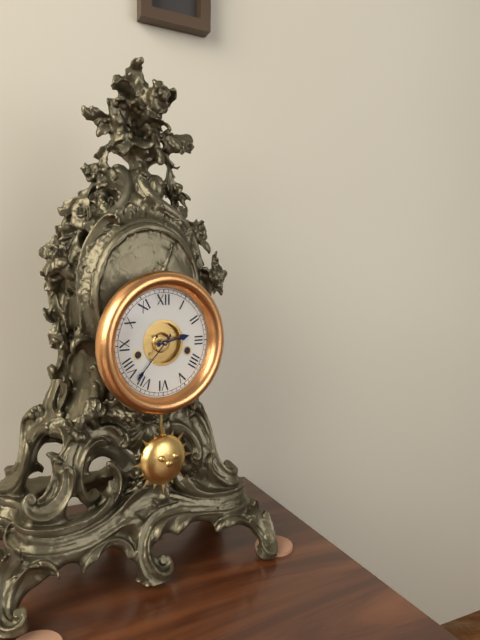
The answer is {"hour": 2, "minute": 37}
